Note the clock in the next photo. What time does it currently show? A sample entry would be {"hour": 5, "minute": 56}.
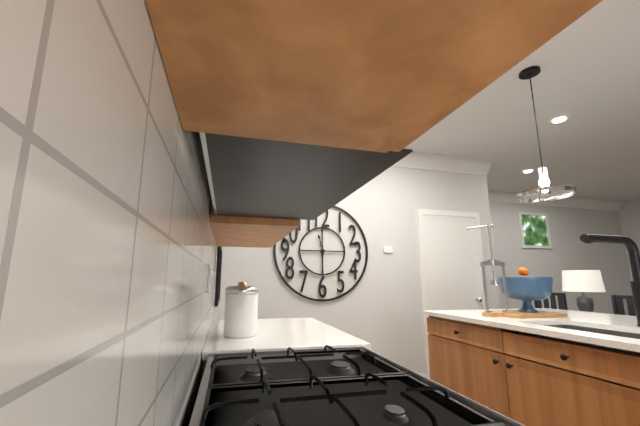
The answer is {"hour": 11, "minute": 30}
